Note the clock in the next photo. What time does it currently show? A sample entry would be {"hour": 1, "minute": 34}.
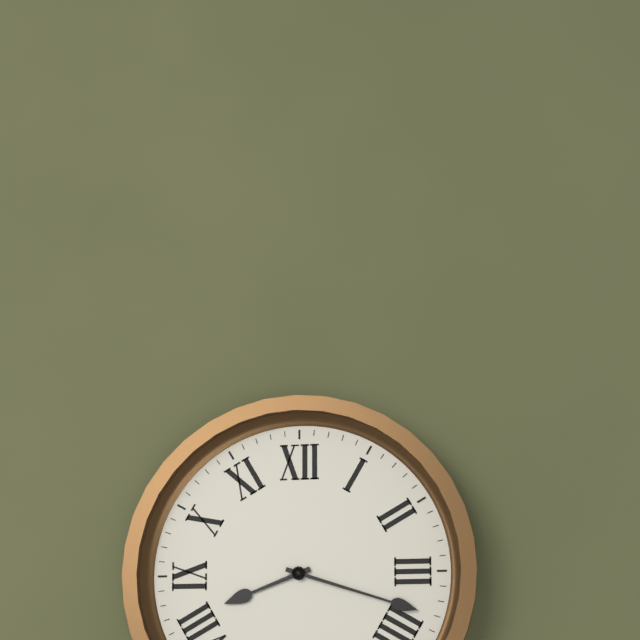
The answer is {"hour": 8, "minute": 18}
